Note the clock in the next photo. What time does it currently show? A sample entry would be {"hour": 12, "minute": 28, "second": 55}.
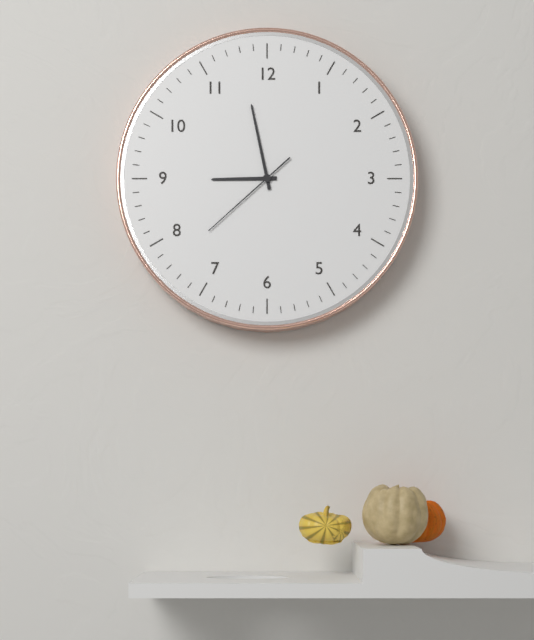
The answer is {"hour": 8, "minute": 58, "second": 38}
